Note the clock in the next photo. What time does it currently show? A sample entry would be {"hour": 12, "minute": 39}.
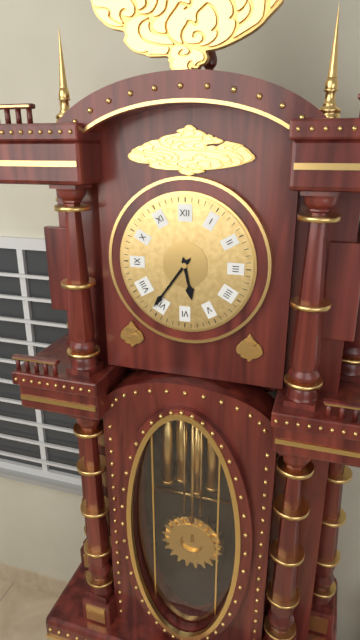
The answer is {"hour": 5, "minute": 36}
